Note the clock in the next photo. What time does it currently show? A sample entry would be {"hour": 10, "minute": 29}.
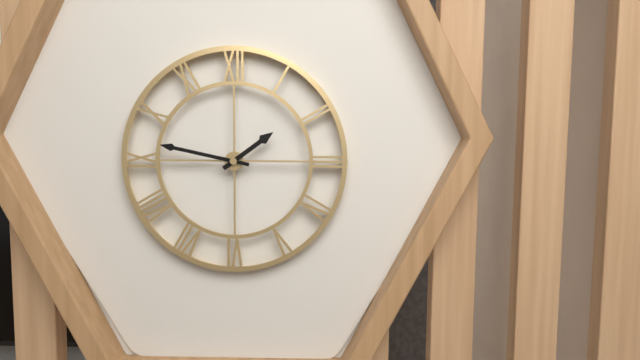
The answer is {"hour": 1, "minute": 47}
